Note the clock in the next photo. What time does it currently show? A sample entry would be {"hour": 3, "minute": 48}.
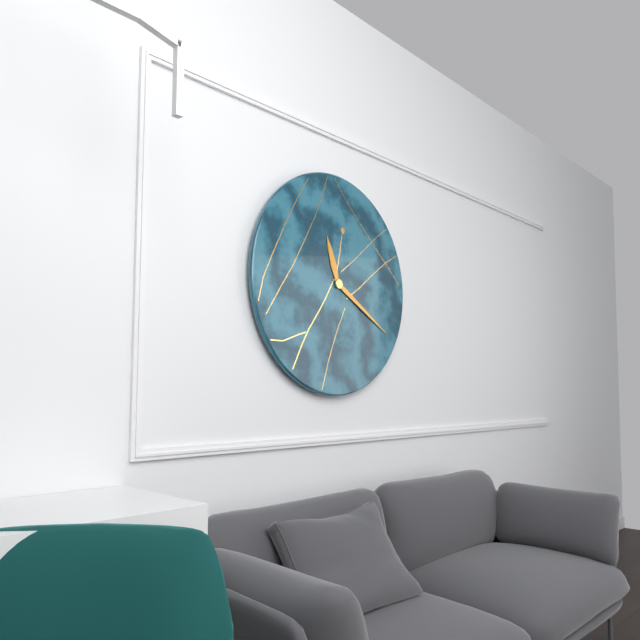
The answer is {"hour": 11, "minute": 20}
